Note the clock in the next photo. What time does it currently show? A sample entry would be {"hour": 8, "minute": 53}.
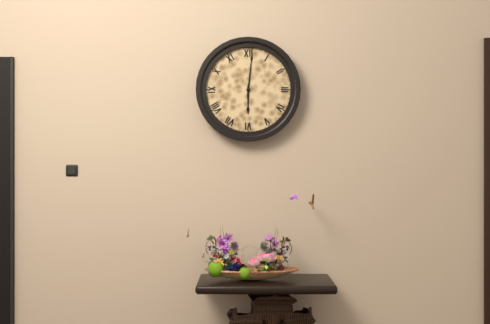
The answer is {"hour": 6, "minute": 1}
